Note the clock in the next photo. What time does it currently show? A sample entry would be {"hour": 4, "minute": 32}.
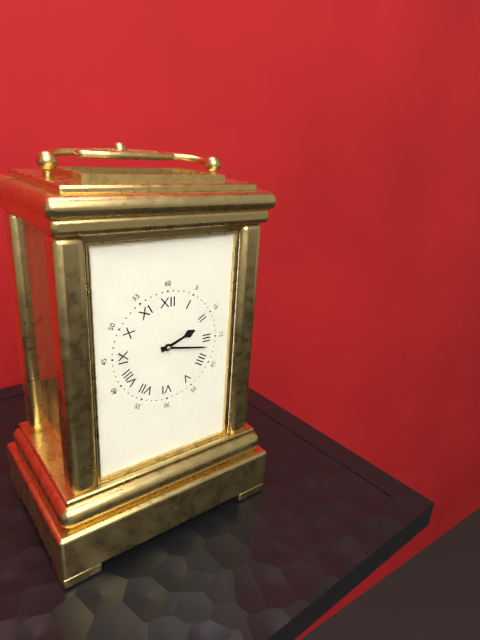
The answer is {"hour": 2, "minute": 17}
